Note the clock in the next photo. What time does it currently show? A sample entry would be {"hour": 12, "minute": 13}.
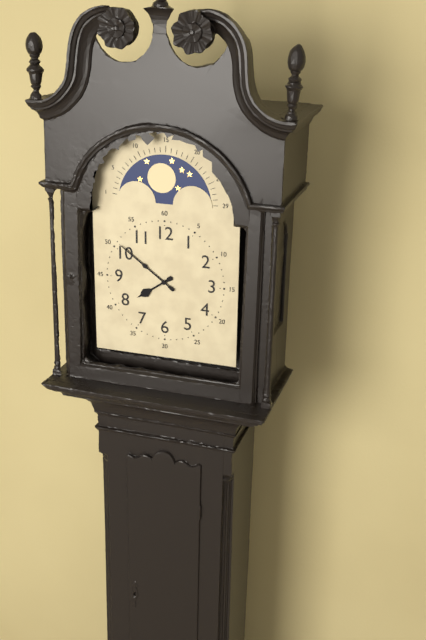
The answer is {"hour": 7, "minute": 51}
